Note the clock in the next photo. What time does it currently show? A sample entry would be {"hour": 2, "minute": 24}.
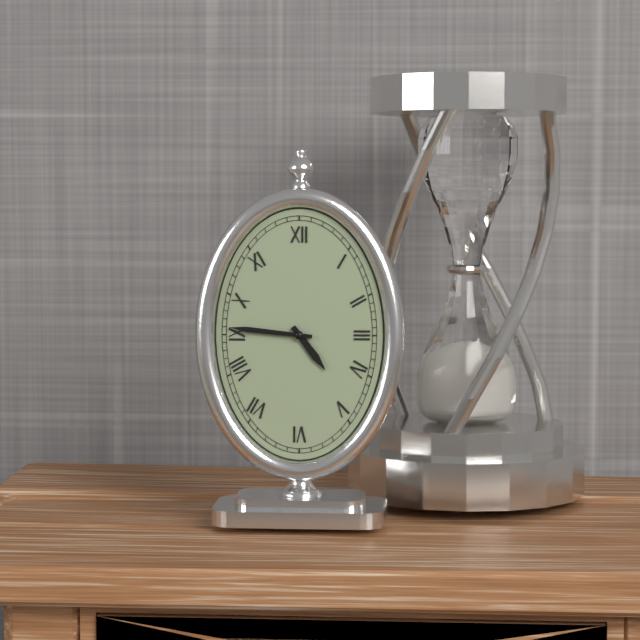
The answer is {"hour": 4, "minute": 46}
